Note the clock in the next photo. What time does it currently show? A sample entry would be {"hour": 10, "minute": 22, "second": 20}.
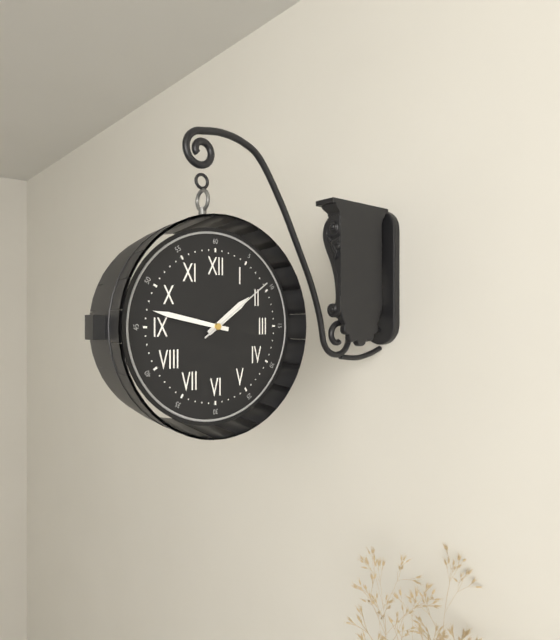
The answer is {"hour": 1, "minute": 47, "second": 9}
